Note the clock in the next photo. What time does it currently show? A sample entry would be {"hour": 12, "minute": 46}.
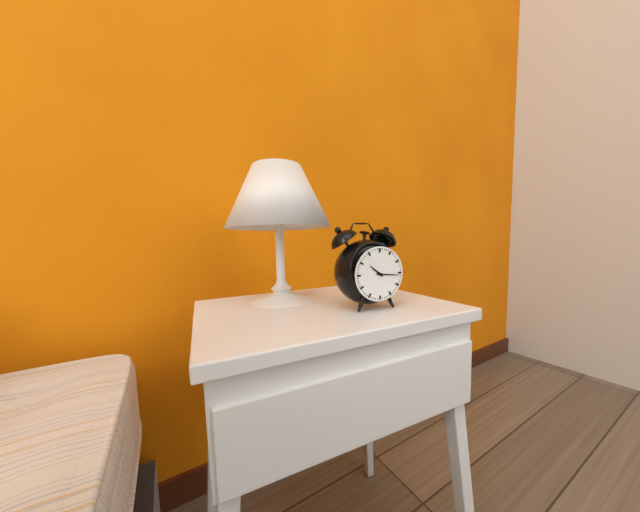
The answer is {"hour": 10, "minute": 16}
